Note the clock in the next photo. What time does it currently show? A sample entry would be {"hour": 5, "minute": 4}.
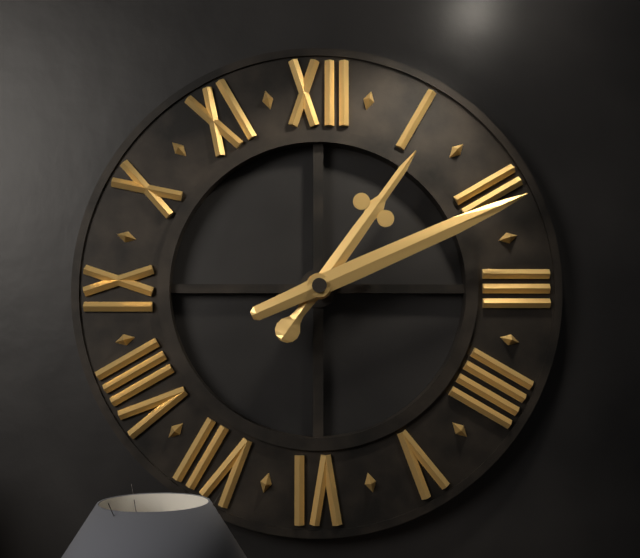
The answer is {"hour": 1, "minute": 11}
